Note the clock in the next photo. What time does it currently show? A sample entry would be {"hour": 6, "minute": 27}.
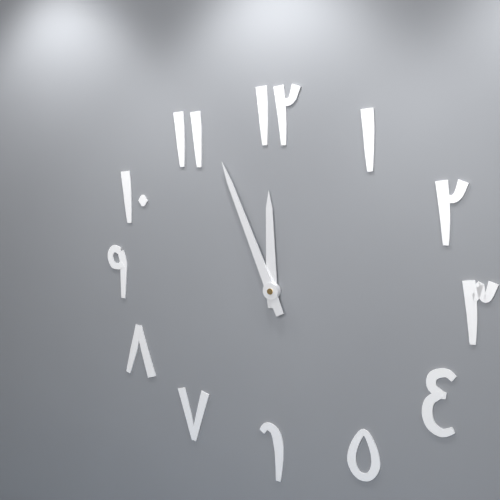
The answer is {"hour": 11, "minute": 56}
